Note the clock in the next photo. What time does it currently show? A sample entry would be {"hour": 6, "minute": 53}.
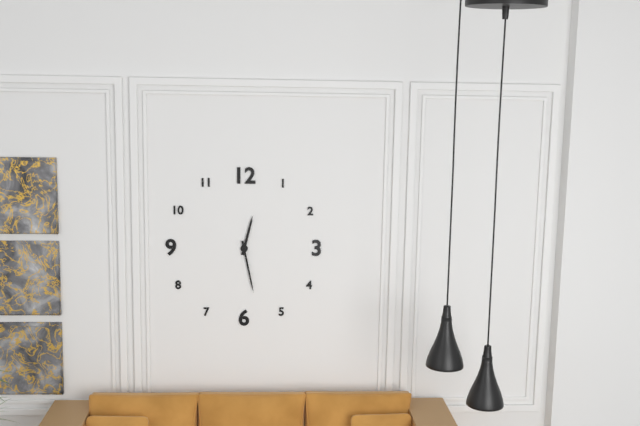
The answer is {"hour": 12, "minute": 28}
